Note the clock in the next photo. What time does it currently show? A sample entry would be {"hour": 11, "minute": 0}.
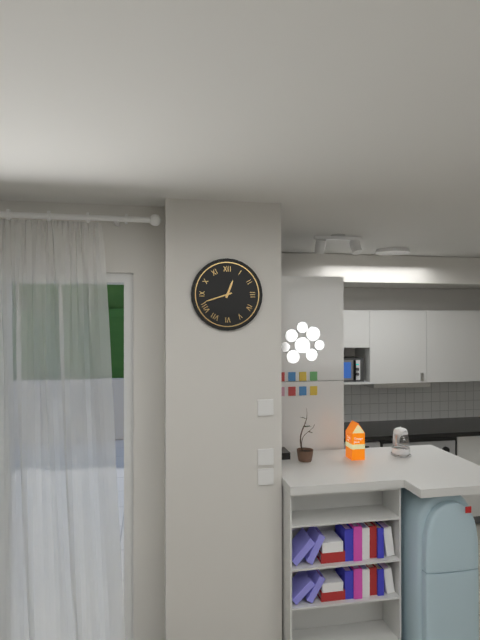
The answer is {"hour": 12, "minute": 42}
